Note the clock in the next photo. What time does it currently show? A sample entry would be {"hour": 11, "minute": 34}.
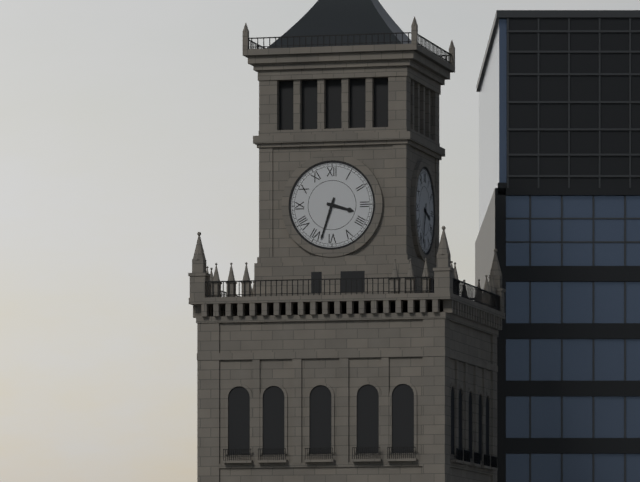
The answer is {"hour": 3, "minute": 33}
